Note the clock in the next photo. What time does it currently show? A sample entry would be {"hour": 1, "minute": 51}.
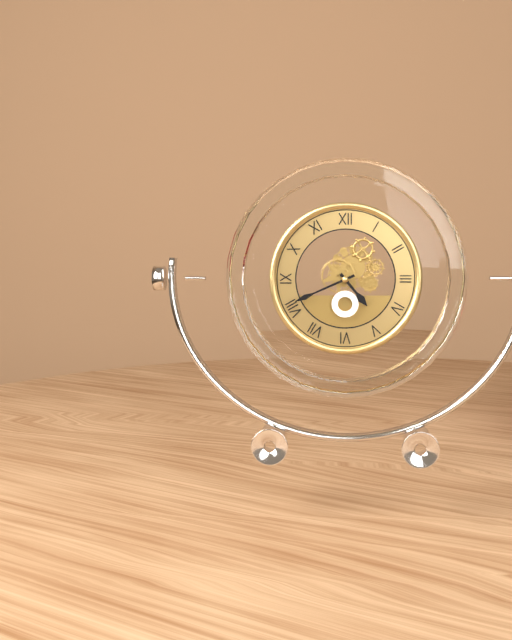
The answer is {"hour": 4, "minute": 41}
